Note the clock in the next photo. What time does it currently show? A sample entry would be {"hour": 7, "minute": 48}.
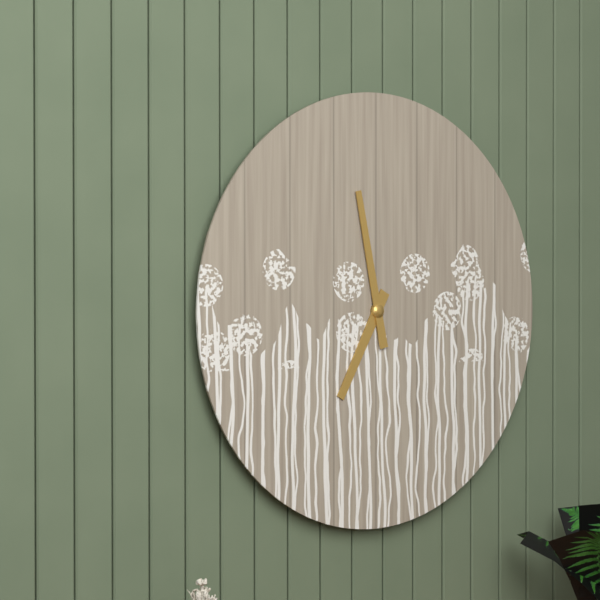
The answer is {"hour": 6, "minute": 58}
